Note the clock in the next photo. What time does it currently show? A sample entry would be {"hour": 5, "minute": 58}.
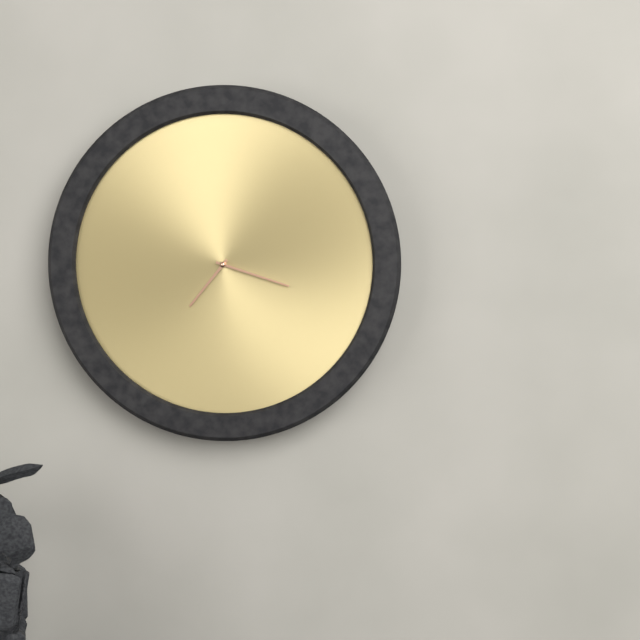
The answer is {"hour": 7, "minute": 18}
